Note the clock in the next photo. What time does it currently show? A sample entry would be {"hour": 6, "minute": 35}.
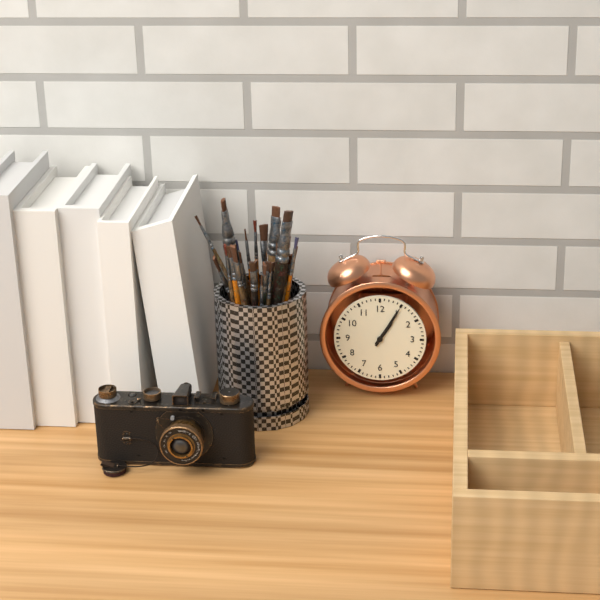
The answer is {"hour": 1, "minute": 5}
